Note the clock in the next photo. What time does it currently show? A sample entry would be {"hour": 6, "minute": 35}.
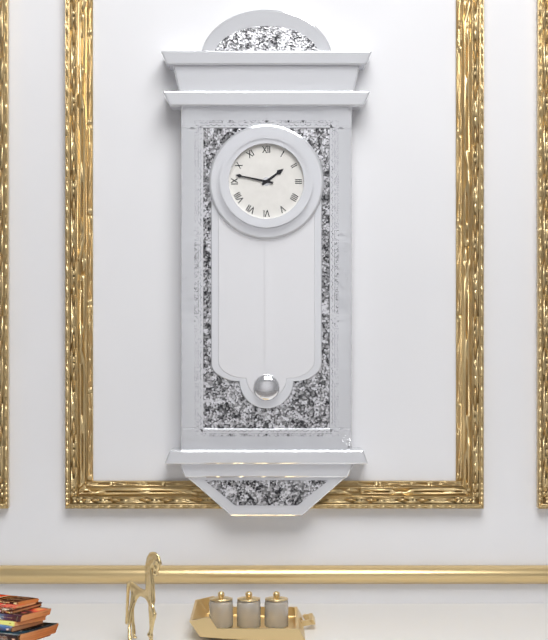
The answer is {"hour": 1, "minute": 47}
